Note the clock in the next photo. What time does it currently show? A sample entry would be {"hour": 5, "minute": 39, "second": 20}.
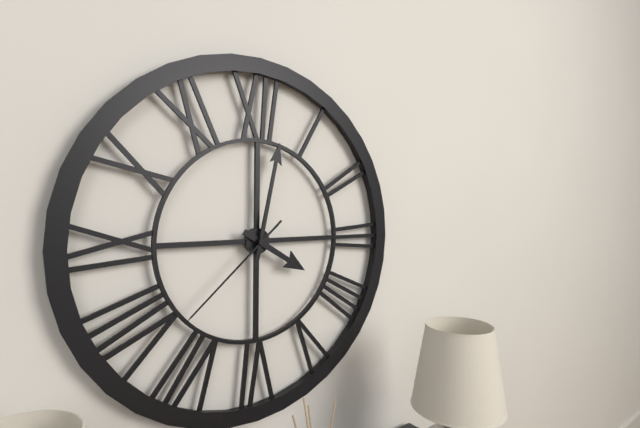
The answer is {"hour": 4, "minute": 2, "second": 38}
